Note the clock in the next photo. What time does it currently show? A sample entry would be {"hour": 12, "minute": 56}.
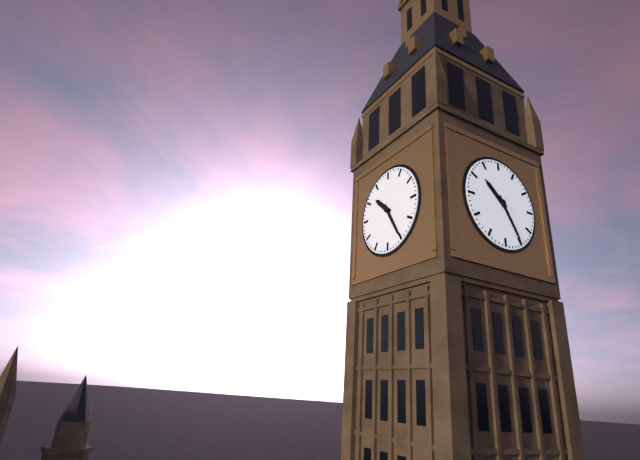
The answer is {"hour": 10, "minute": 25}
